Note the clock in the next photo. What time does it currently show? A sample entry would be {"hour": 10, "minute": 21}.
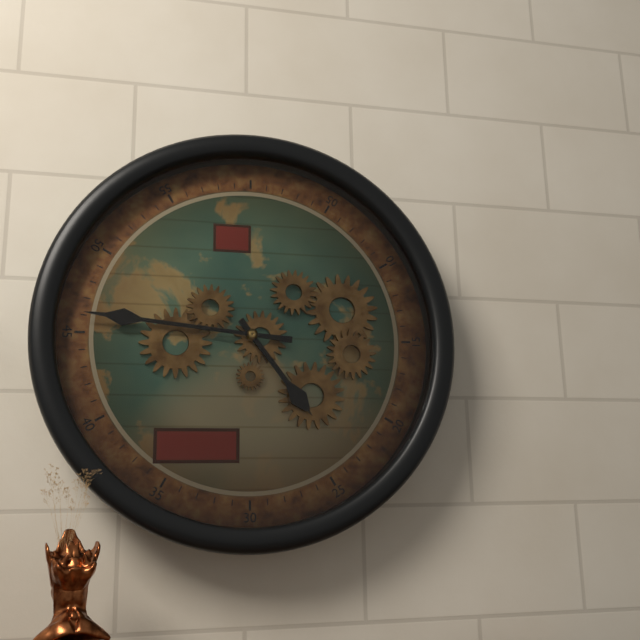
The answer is {"hour": 4, "minute": 46}
